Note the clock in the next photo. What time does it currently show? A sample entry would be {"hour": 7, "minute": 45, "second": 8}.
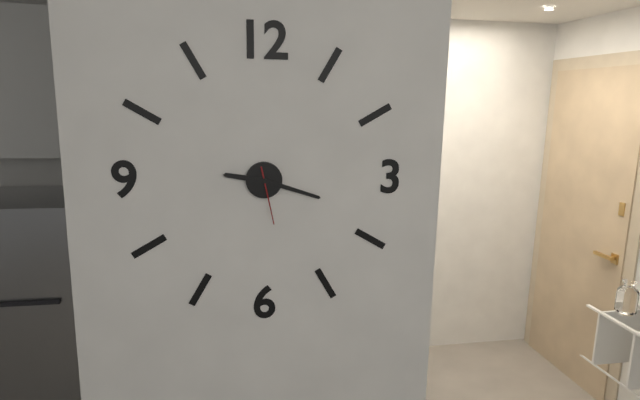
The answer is {"hour": 9, "minute": 18, "second": 28}
